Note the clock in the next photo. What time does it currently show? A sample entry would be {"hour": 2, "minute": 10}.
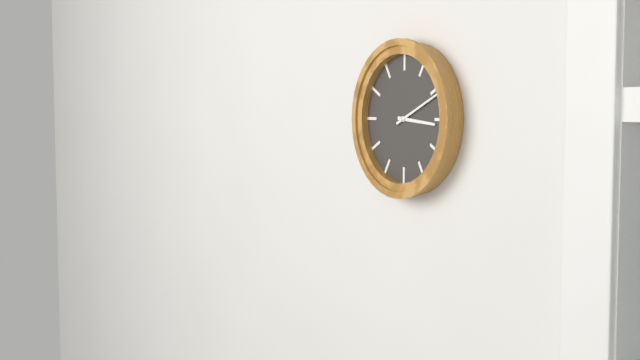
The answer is {"hour": 3, "minute": 11}
